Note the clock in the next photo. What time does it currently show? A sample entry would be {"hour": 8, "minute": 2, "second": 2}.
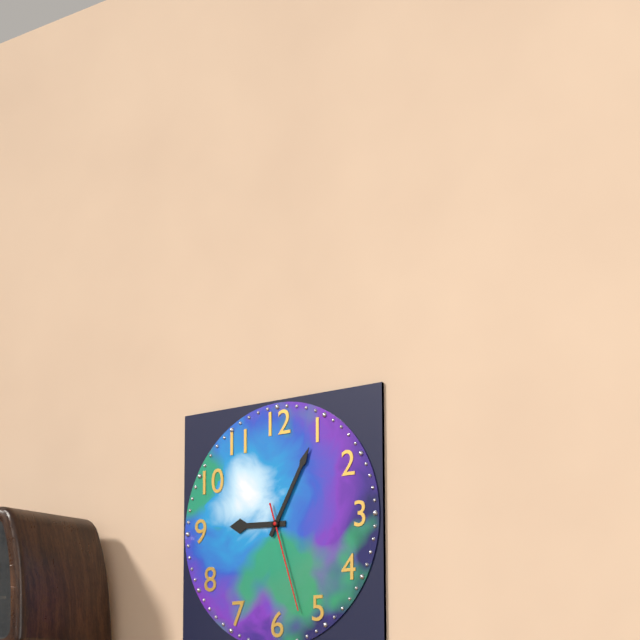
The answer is {"hour": 9, "minute": 5, "second": 27}
